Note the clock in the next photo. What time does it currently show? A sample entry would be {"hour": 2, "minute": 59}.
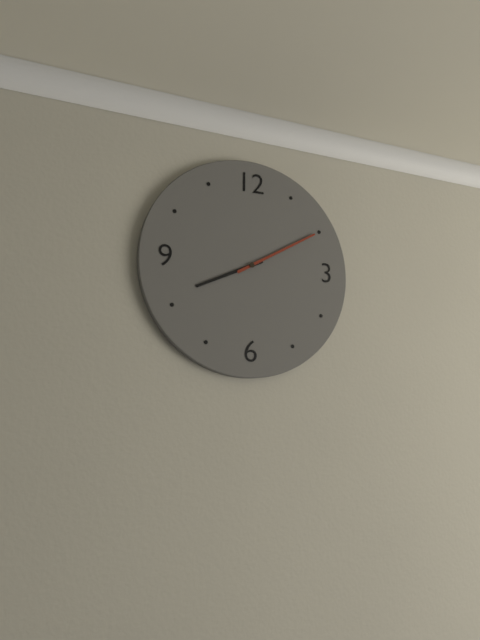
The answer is {"hour": 8, "minute": 10}
